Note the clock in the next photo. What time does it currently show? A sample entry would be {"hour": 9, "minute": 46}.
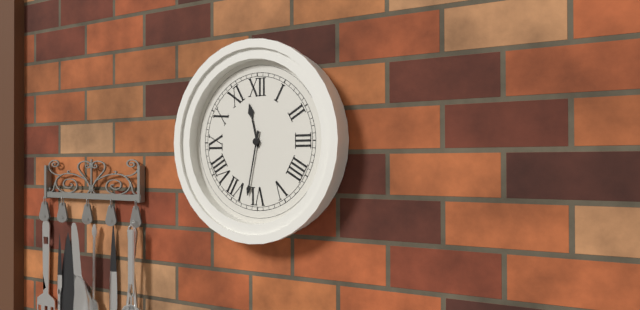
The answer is {"hour": 11, "minute": 32}
